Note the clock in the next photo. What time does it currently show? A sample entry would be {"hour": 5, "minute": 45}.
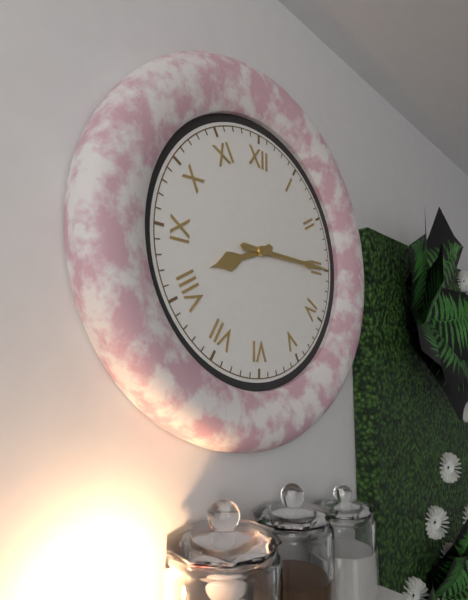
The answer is {"hour": 8, "minute": 15}
